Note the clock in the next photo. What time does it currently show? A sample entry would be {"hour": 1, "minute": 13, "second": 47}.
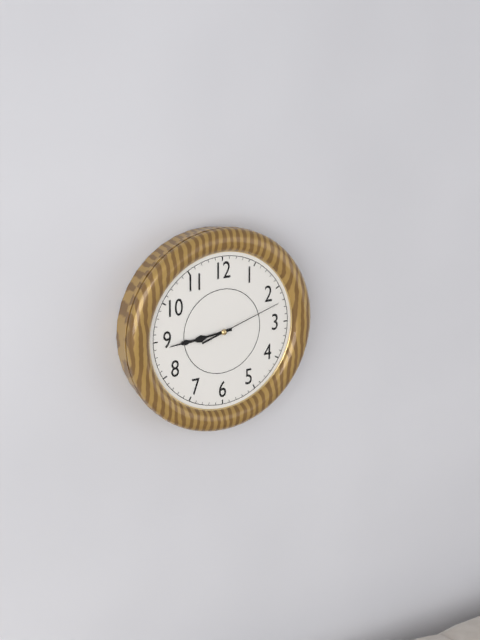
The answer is {"hour": 8, "minute": 44, "second": 12}
